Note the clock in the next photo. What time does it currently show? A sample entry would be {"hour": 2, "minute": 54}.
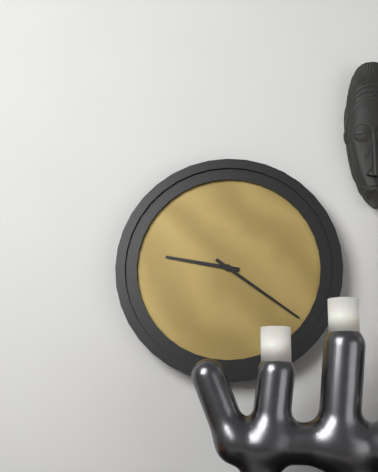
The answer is {"hour": 9, "minute": 21}
